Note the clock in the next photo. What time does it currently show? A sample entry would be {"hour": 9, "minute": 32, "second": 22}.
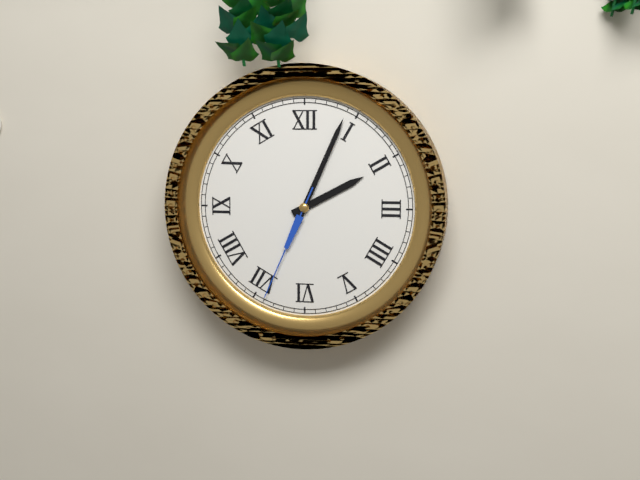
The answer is {"hour": 2, "minute": 4, "second": 34}
